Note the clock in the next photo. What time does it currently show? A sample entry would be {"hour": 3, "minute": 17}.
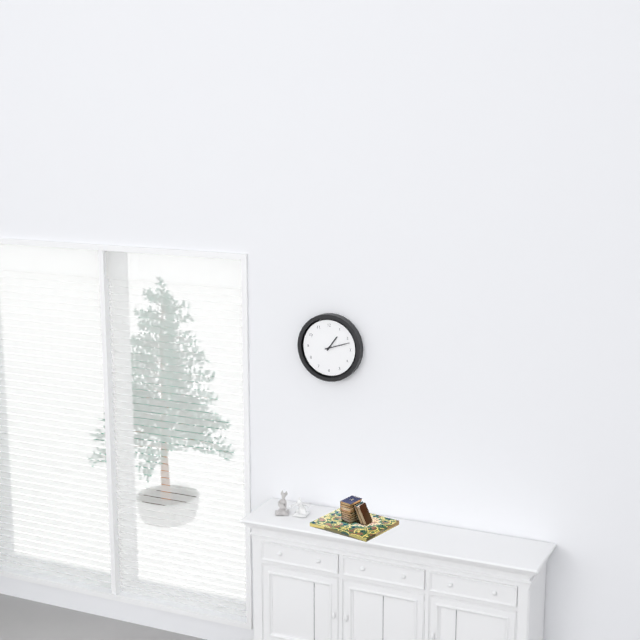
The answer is {"hour": 1, "minute": 12}
